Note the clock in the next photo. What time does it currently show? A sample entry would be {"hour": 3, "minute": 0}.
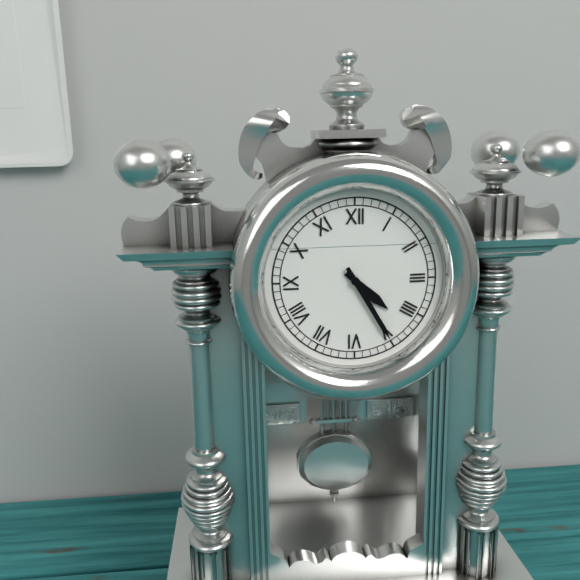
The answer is {"hour": 4, "minute": 25}
